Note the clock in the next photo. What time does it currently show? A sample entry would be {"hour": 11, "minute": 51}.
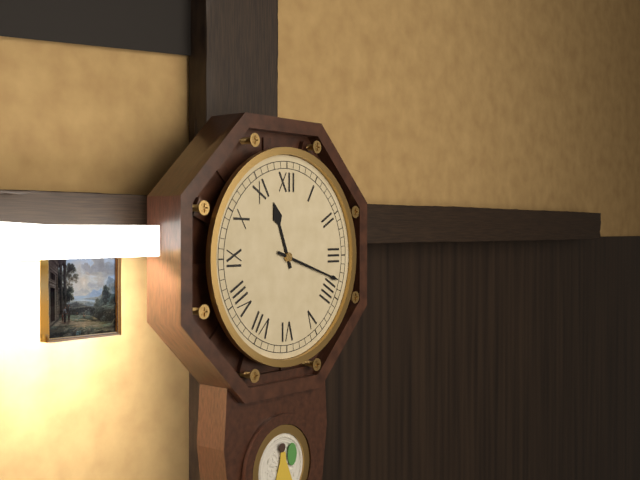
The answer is {"hour": 11, "minute": 18}
